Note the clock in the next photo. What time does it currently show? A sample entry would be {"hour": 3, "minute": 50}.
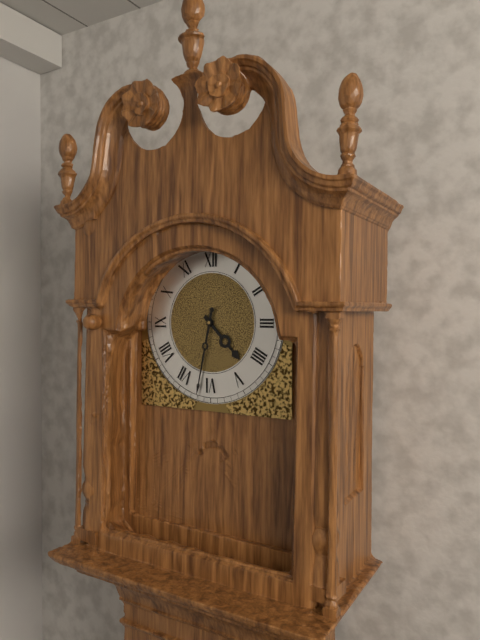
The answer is {"hour": 4, "minute": 32}
